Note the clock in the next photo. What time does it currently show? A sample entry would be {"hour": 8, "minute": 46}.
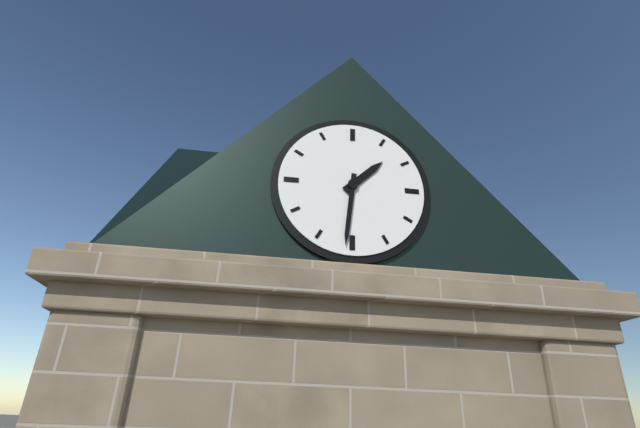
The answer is {"hour": 1, "minute": 31}
